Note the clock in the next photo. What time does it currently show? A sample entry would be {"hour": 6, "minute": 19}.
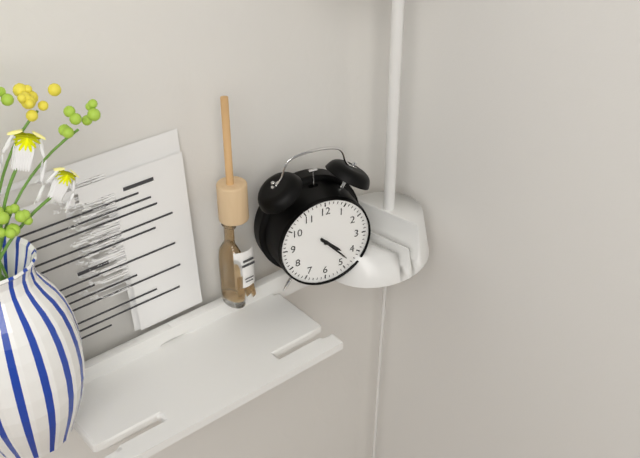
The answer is {"hour": 4, "minute": 23}
